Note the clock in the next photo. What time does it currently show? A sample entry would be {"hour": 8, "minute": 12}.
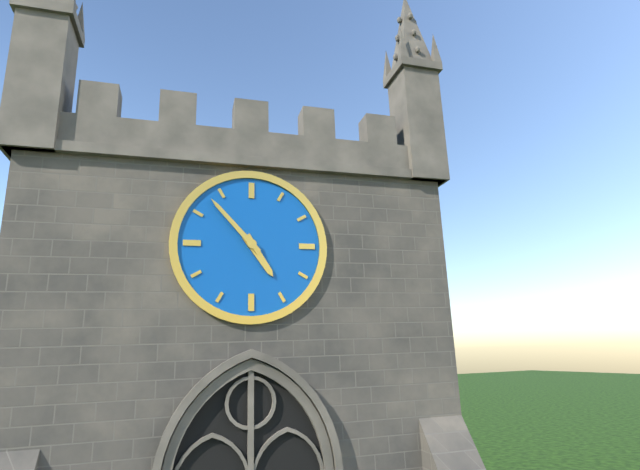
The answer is {"hour": 4, "minute": 53}
